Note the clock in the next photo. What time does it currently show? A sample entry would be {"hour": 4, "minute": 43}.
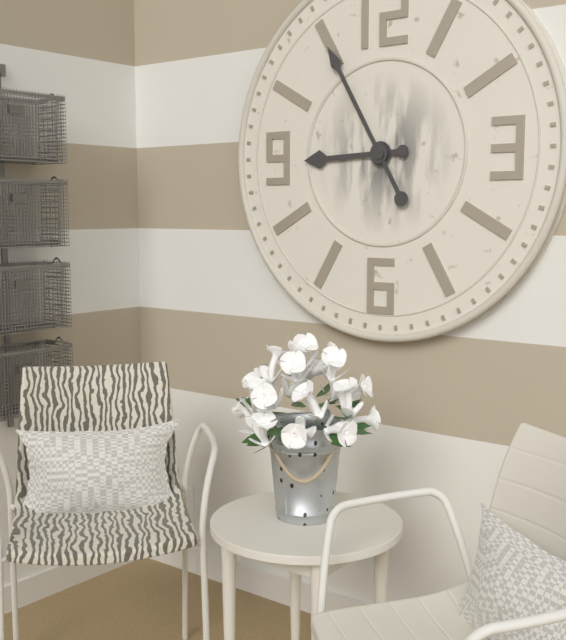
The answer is {"hour": 8, "minute": 55}
